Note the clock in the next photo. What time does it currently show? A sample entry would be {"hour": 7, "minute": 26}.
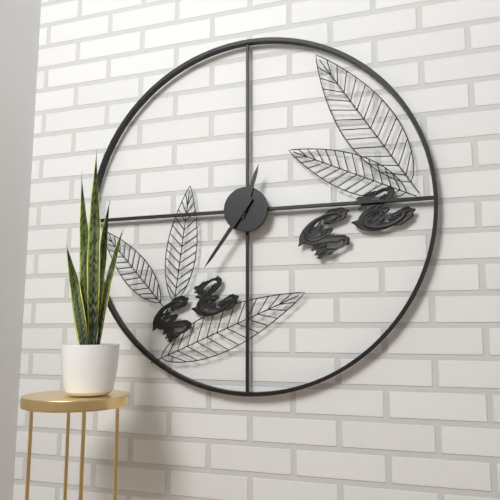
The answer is {"hour": 12, "minute": 36}
